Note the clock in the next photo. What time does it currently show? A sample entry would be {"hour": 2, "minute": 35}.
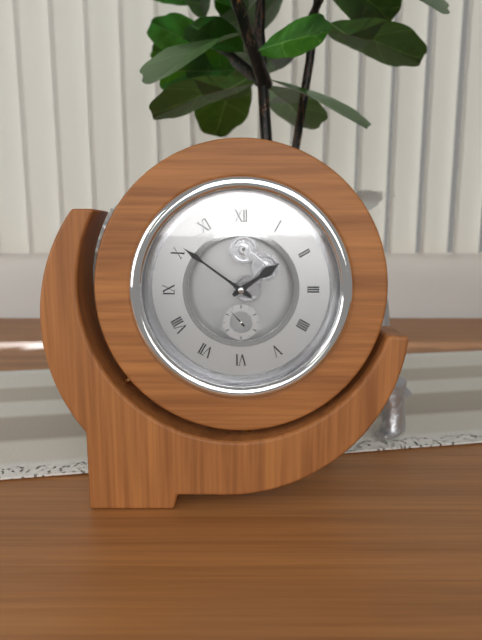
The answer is {"hour": 1, "minute": 51}
